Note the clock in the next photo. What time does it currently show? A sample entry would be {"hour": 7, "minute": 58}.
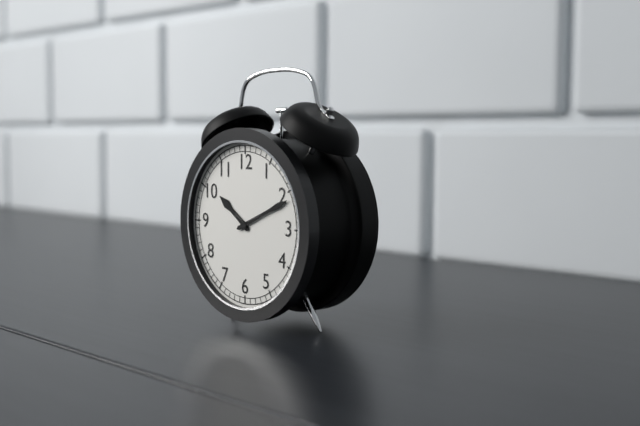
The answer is {"hour": 10, "minute": 11}
